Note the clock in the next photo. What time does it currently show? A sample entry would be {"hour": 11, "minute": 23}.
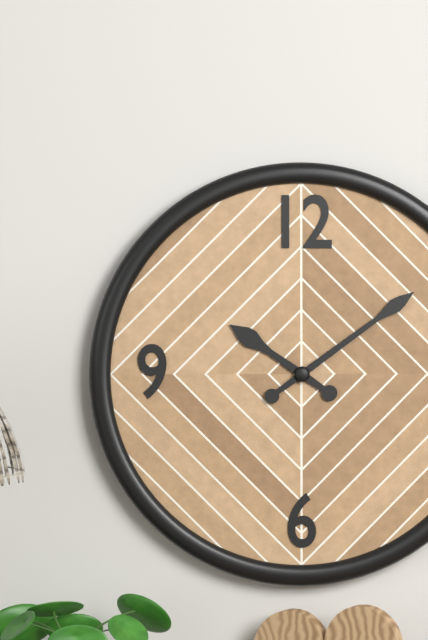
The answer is {"hour": 10, "minute": 9}
